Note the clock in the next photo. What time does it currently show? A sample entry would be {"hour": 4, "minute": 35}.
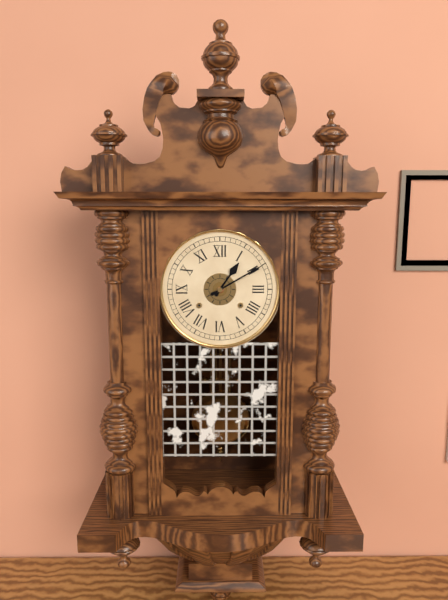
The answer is {"hour": 1, "minute": 10}
